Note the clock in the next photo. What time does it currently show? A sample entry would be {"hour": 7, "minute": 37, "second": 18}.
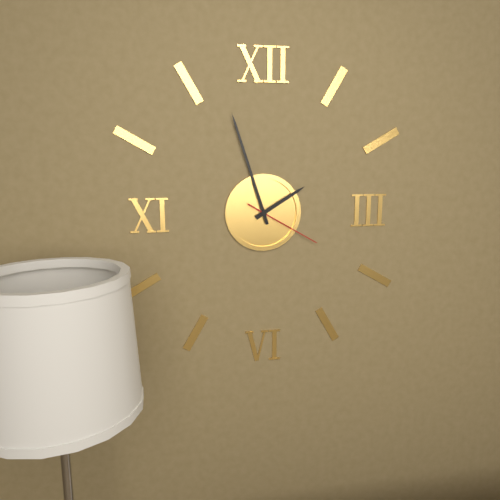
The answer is {"hour": 1, "minute": 57, "second": 20}
